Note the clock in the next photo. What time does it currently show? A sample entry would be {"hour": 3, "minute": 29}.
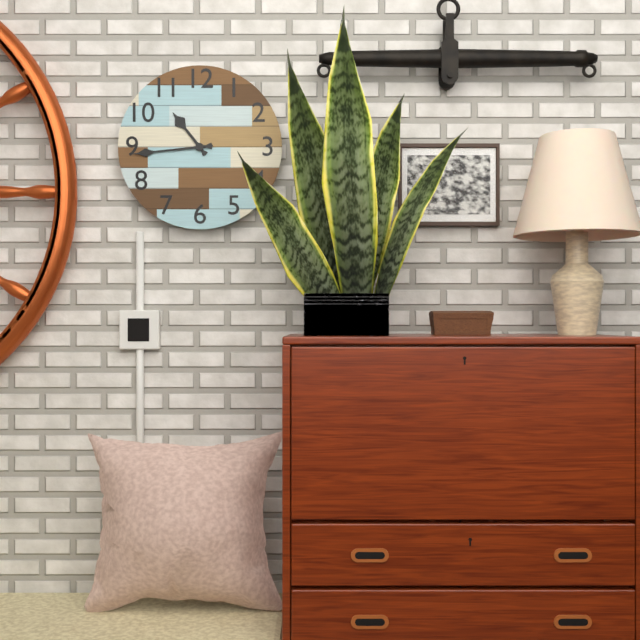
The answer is {"hour": 10, "minute": 44}
